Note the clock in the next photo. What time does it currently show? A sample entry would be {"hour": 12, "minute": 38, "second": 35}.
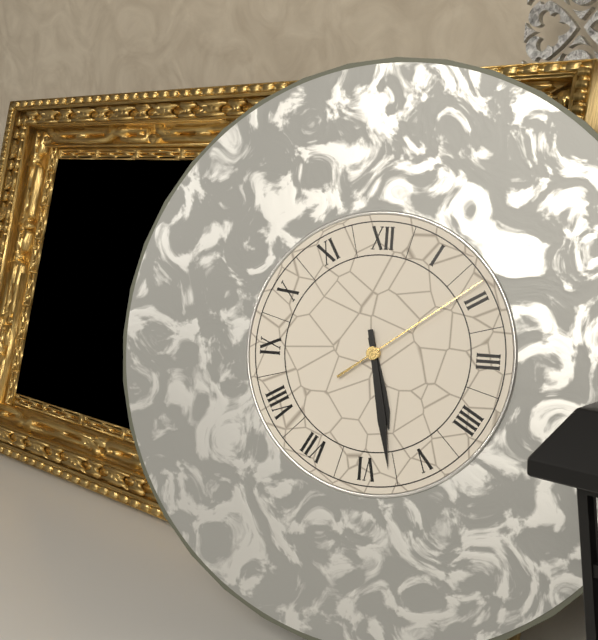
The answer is {"hour": 5, "minute": 28, "second": 9}
